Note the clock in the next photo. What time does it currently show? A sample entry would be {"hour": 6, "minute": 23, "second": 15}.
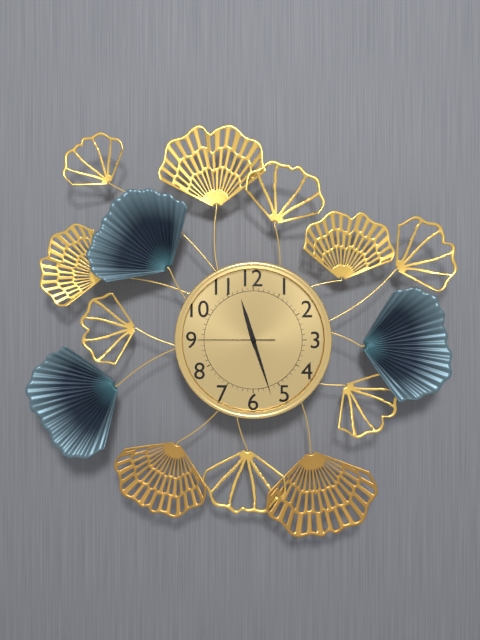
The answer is {"hour": 11, "minute": 27, "second": 45}
